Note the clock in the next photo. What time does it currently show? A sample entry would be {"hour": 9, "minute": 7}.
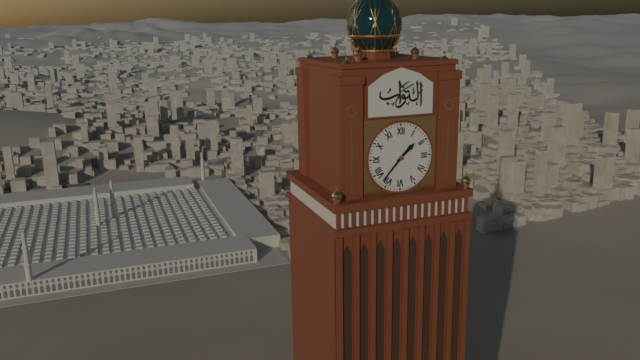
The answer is {"hour": 1, "minute": 37}
